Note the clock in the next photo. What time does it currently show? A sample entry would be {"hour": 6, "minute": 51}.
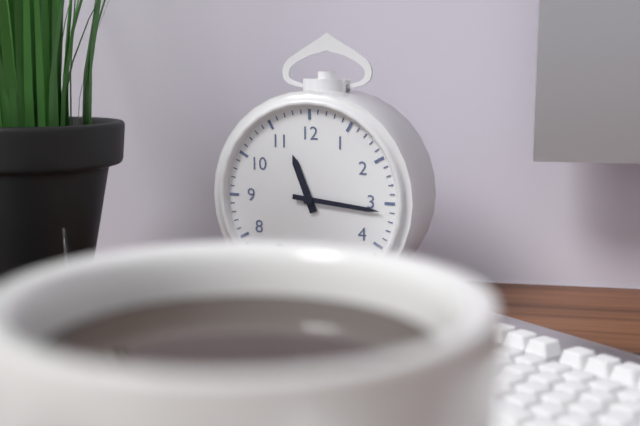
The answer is {"hour": 11, "minute": 16}
